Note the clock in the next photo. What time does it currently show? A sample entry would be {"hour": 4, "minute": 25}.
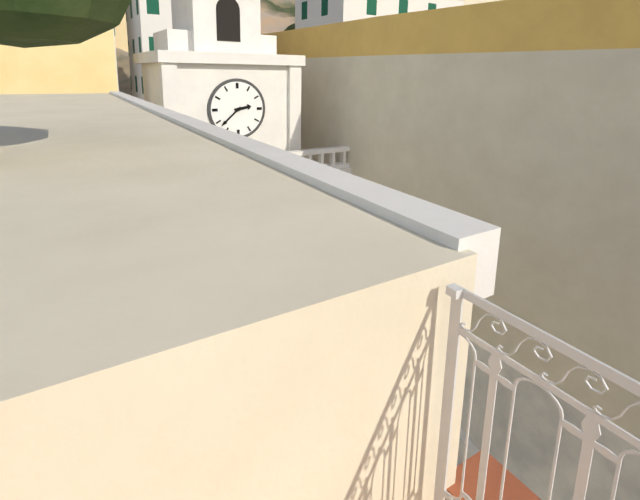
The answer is {"hour": 2, "minute": 38}
